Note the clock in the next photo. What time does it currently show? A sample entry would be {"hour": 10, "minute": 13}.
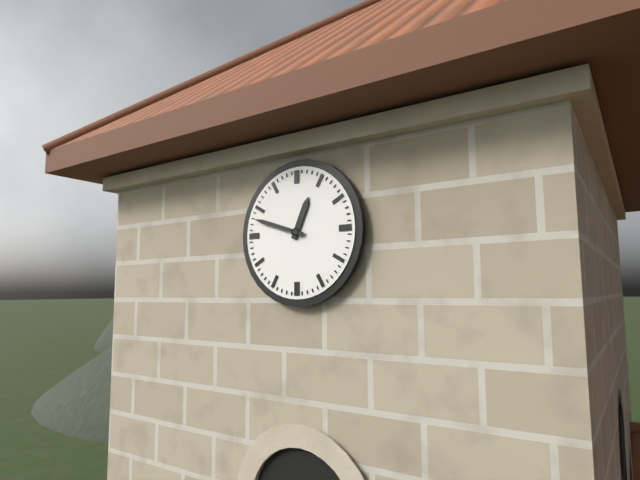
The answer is {"hour": 12, "minute": 48}
